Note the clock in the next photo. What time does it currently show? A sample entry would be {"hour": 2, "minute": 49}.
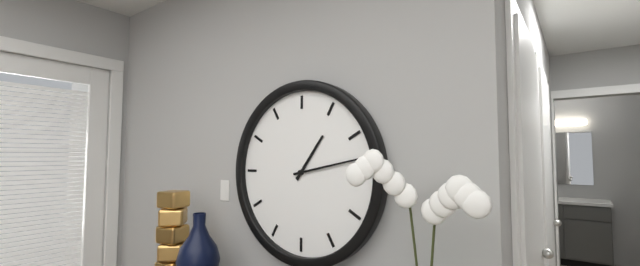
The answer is {"hour": 1, "minute": 13}
